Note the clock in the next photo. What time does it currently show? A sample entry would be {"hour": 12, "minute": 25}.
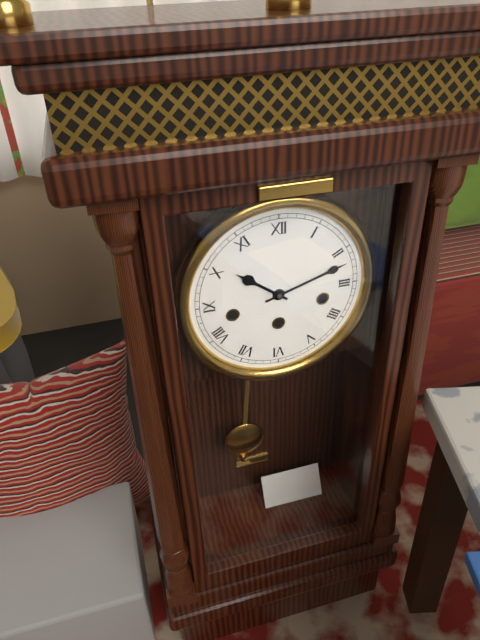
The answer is {"hour": 10, "minute": 12}
